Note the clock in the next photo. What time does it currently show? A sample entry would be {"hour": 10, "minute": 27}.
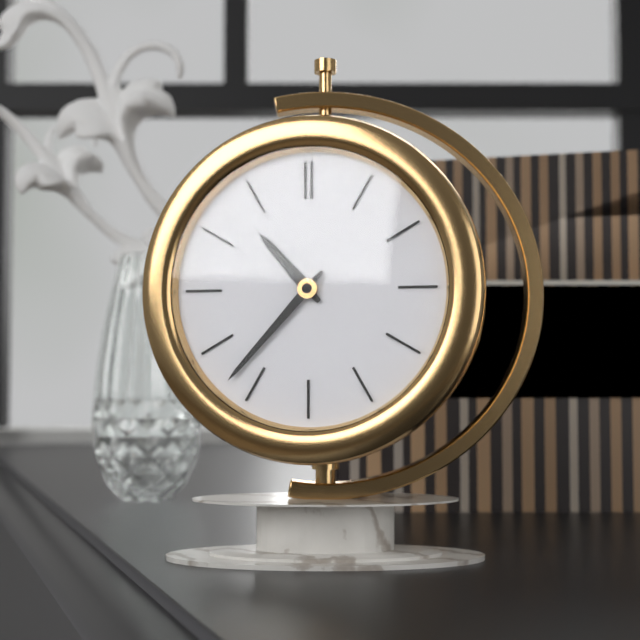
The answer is {"hour": 10, "minute": 37}
